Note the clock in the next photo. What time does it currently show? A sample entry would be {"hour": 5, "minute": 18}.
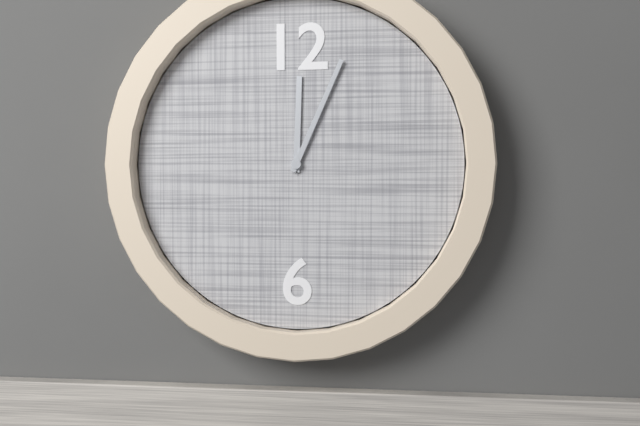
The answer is {"hour": 12, "minute": 4}
